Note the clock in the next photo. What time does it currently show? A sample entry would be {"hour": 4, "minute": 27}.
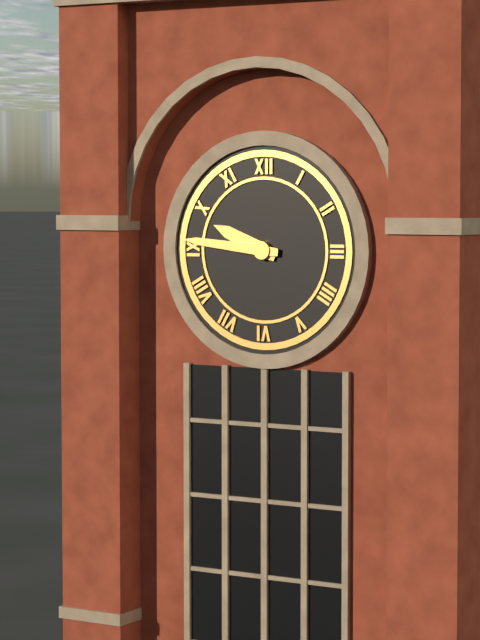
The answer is {"hour": 9, "minute": 46}
